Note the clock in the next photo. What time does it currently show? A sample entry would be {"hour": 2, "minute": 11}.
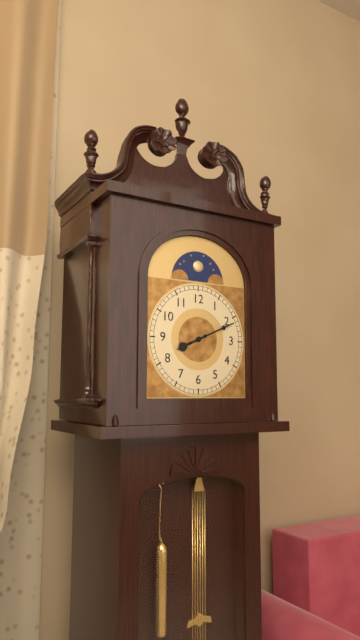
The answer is {"hour": 8, "minute": 11}
